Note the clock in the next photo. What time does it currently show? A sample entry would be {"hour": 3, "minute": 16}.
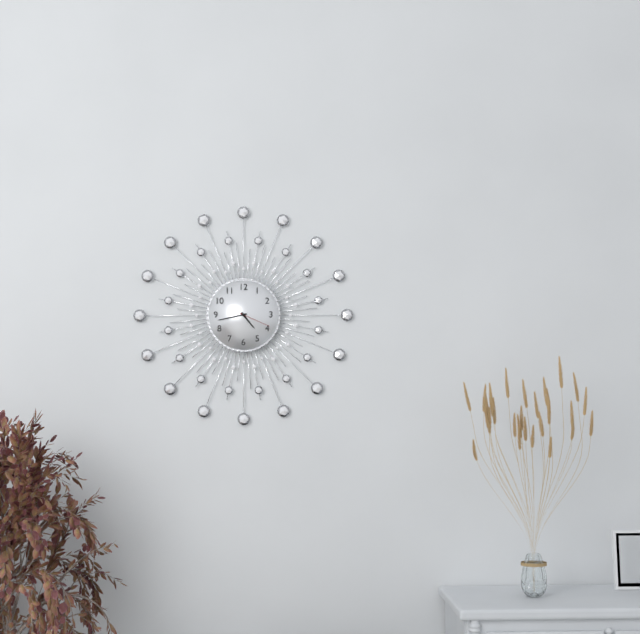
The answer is {"hour": 4, "minute": 43}
